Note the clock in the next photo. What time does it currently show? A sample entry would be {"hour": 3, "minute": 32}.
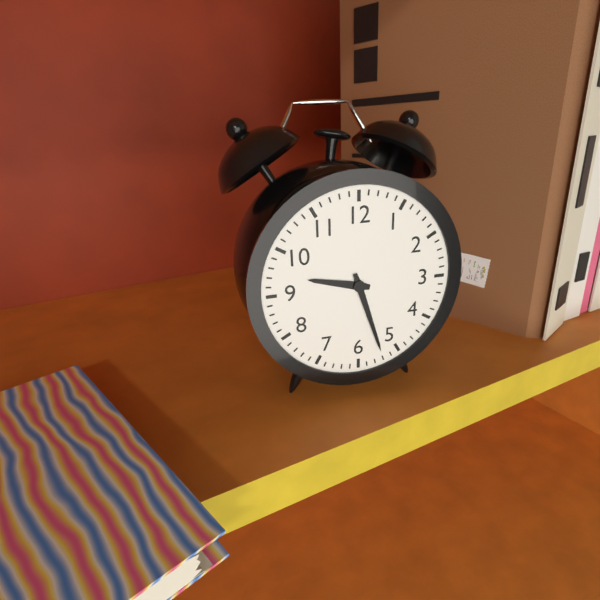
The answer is {"hour": 9, "minute": 27}
